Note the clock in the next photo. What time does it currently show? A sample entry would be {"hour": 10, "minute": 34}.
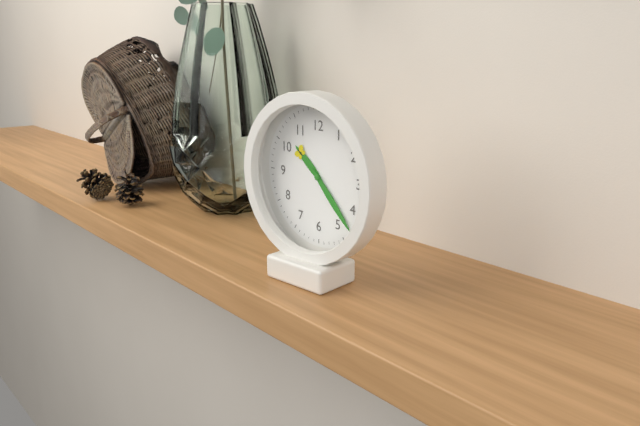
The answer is {"hour": 10, "minute": 23}
